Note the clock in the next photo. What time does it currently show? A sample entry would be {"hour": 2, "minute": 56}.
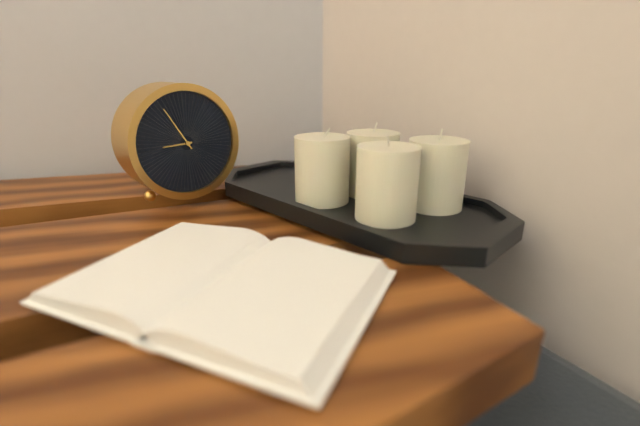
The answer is {"hour": 8, "minute": 55}
